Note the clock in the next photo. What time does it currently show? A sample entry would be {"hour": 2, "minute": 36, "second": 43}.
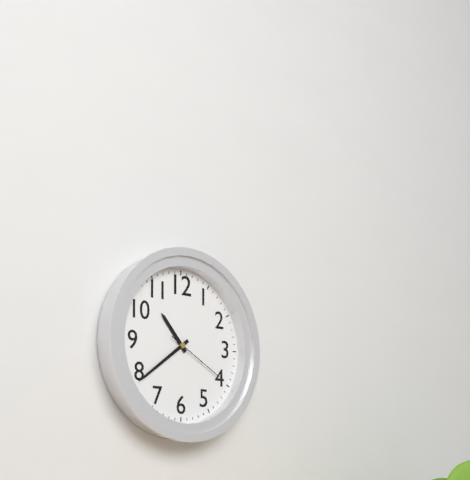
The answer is {"hour": 10, "minute": 39, "second": 20}
